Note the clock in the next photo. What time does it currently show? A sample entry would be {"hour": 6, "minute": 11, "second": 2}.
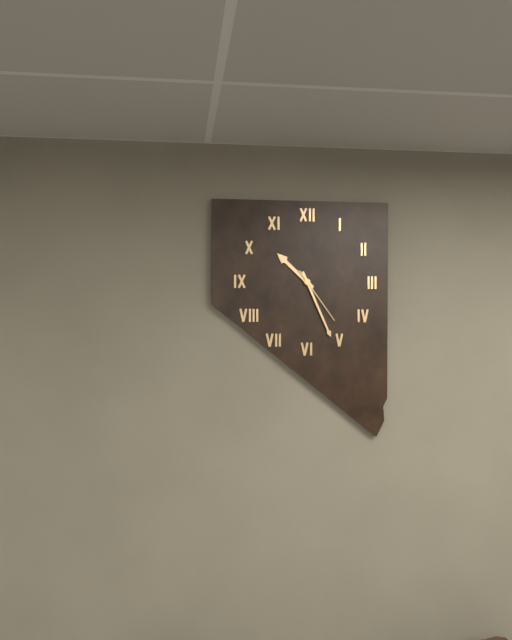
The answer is {"hour": 10, "minute": 26, "second": 24}
